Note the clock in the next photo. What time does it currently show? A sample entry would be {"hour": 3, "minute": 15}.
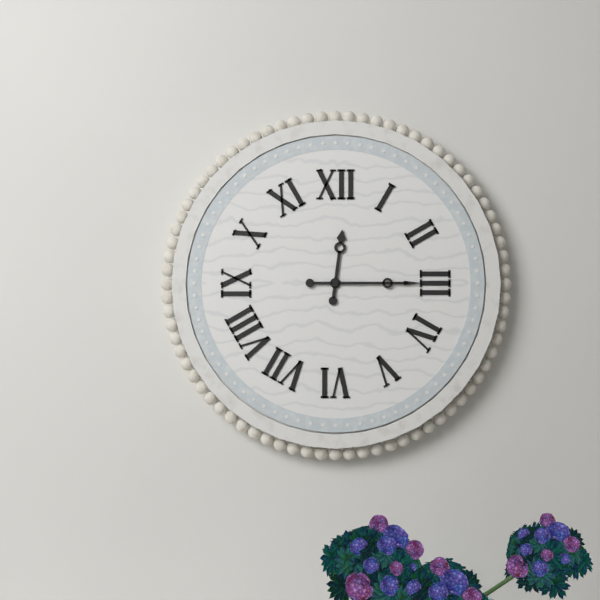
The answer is {"hour": 12, "minute": 15}
